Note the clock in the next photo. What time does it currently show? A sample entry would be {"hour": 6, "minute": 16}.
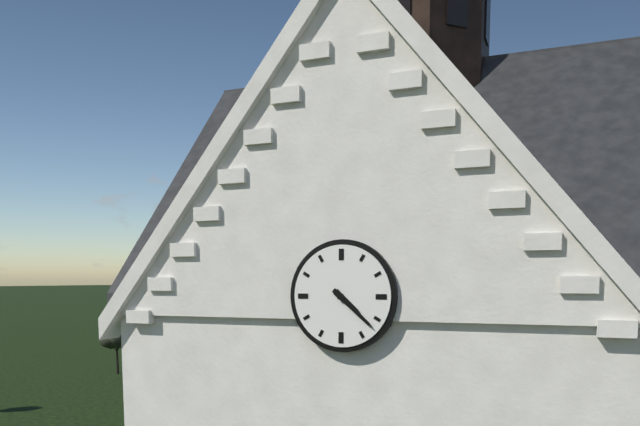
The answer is {"hour": 4, "minute": 22}
